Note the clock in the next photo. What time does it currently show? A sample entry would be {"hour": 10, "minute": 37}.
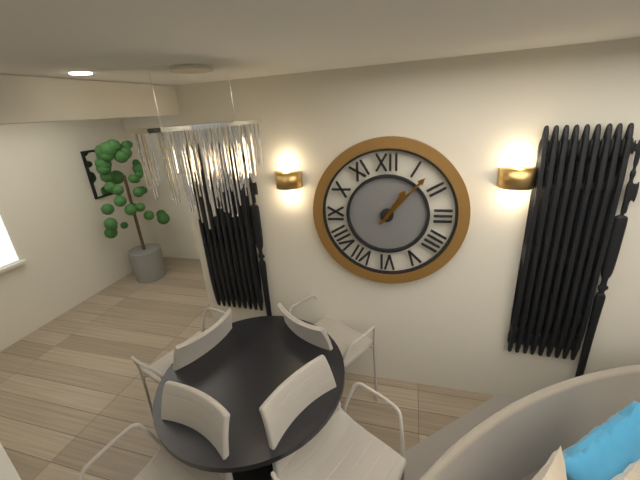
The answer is {"hour": 1, "minute": 7}
